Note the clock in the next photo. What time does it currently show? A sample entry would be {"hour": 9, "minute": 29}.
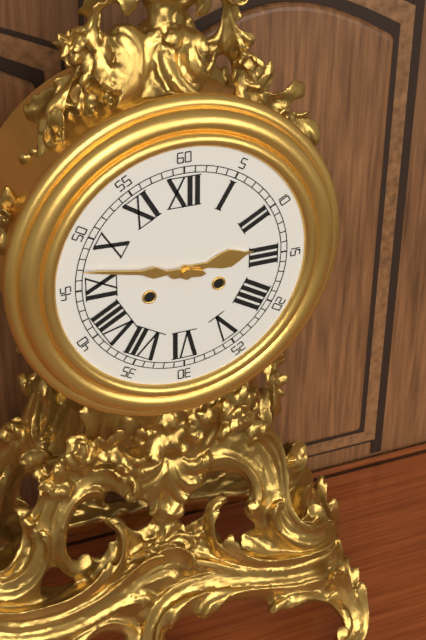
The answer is {"hour": 2, "minute": 47}
